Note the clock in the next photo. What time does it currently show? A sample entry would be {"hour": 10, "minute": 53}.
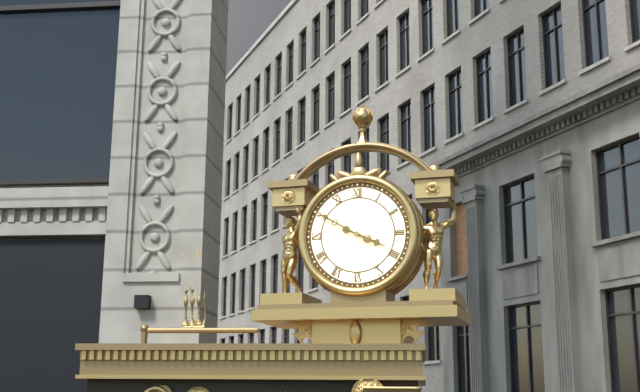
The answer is {"hour": 3, "minute": 50}
